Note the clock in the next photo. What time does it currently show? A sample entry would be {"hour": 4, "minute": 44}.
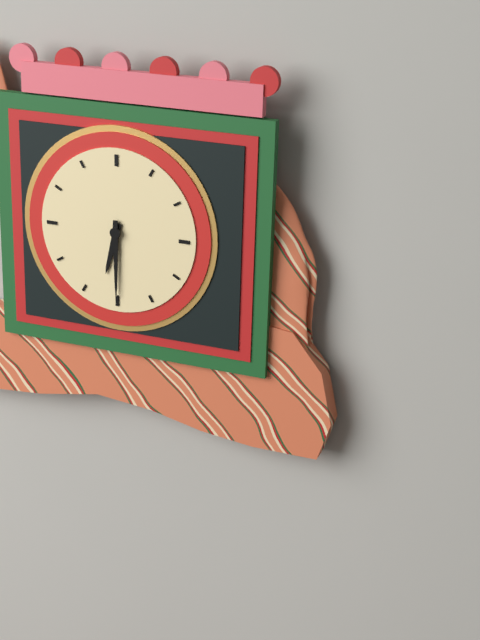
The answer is {"hour": 6, "minute": 30}
